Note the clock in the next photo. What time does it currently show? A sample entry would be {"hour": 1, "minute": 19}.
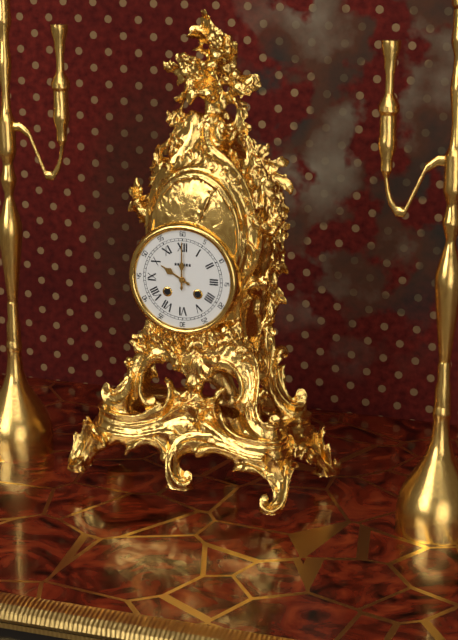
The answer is {"hour": 10, "minute": 0}
